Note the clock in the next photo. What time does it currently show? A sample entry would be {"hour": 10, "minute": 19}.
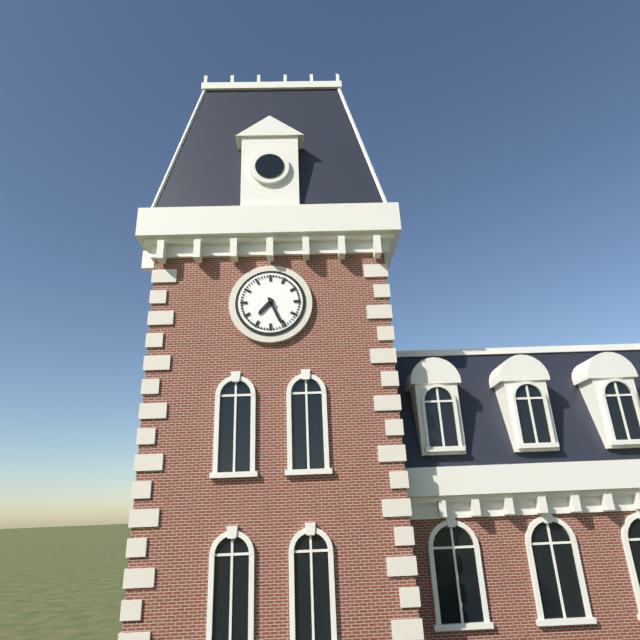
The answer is {"hour": 7, "minute": 26}
